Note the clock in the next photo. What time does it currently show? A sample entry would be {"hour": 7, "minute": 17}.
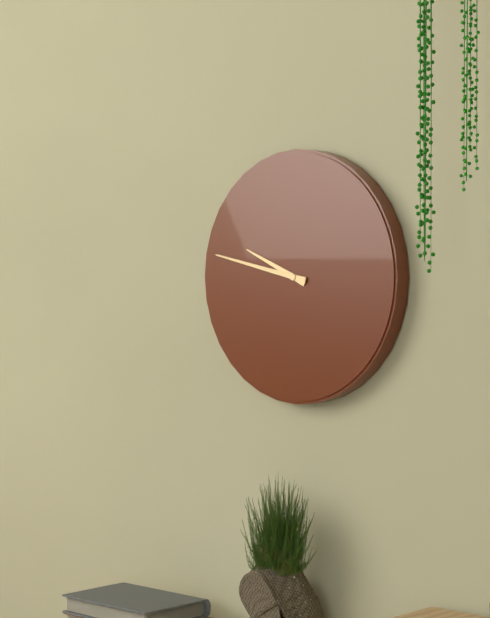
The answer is {"hour": 9, "minute": 47}
